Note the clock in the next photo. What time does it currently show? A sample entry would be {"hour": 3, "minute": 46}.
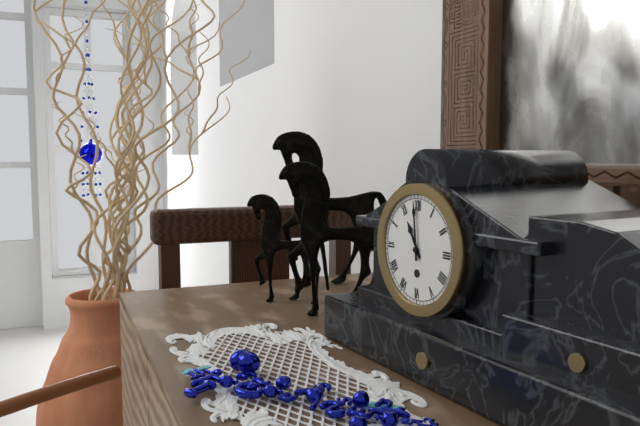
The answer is {"hour": 10, "minute": 59}
